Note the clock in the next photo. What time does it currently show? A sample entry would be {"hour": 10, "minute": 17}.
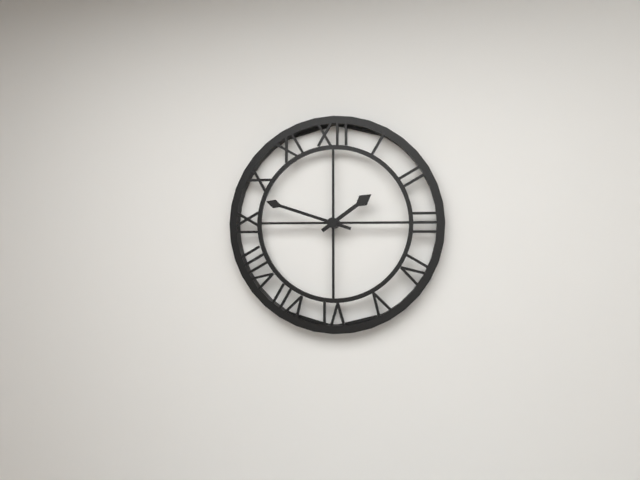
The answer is {"hour": 1, "minute": 48}
